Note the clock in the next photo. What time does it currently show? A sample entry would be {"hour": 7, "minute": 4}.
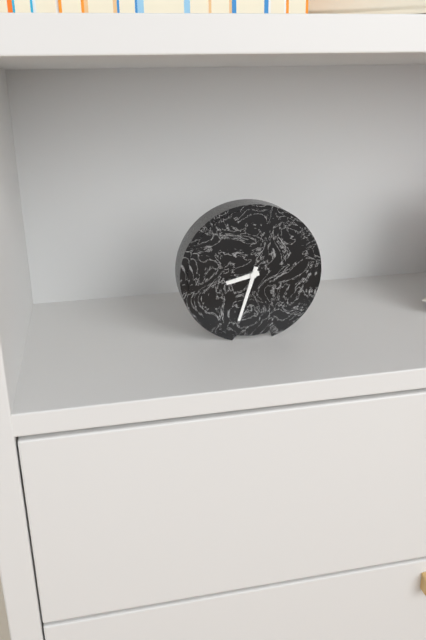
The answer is {"hour": 8, "minute": 33}
